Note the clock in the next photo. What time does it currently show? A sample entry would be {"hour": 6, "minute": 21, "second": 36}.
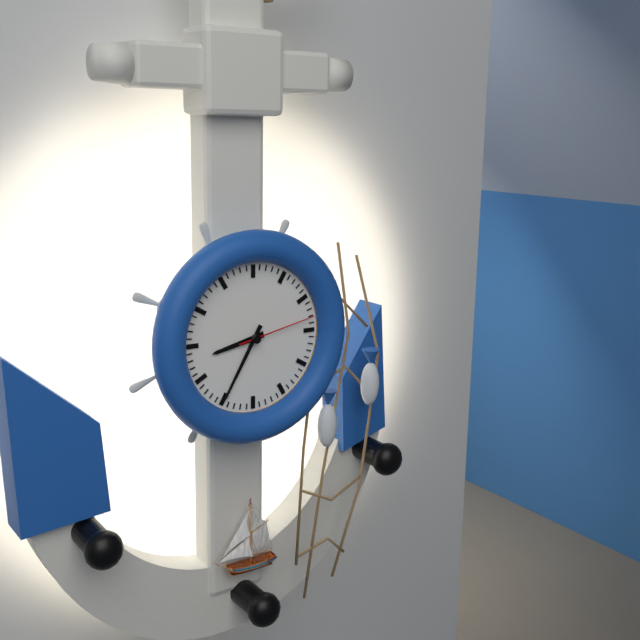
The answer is {"hour": 8, "minute": 35, "second": 13}
